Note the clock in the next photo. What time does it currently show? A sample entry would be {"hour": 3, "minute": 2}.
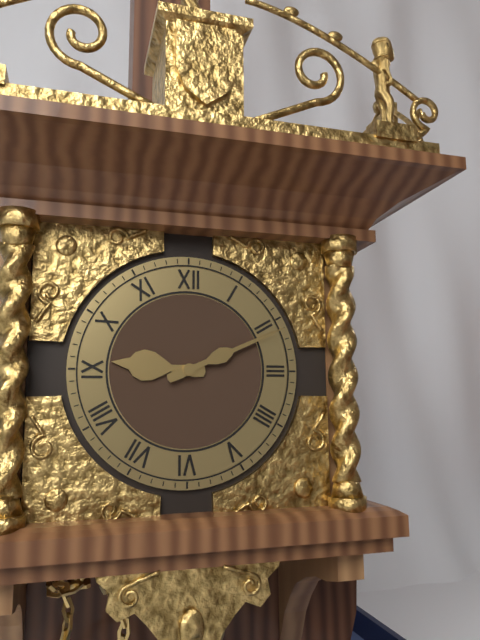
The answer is {"hour": 9, "minute": 11}
